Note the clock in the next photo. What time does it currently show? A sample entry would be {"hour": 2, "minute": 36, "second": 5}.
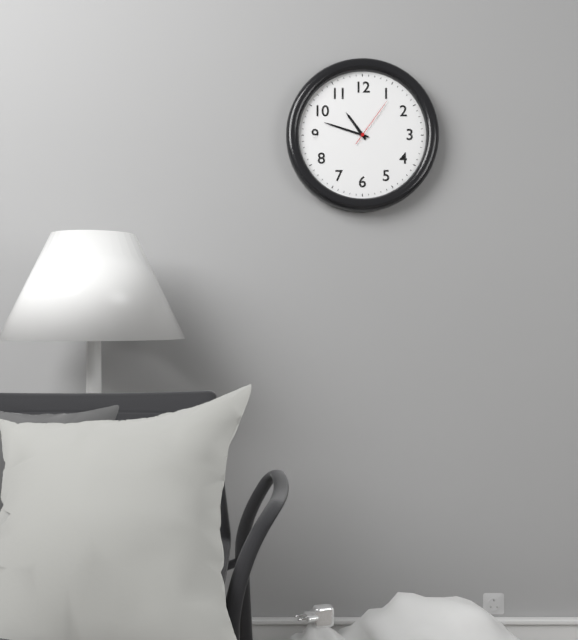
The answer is {"hour": 10, "minute": 48, "second": 6}
